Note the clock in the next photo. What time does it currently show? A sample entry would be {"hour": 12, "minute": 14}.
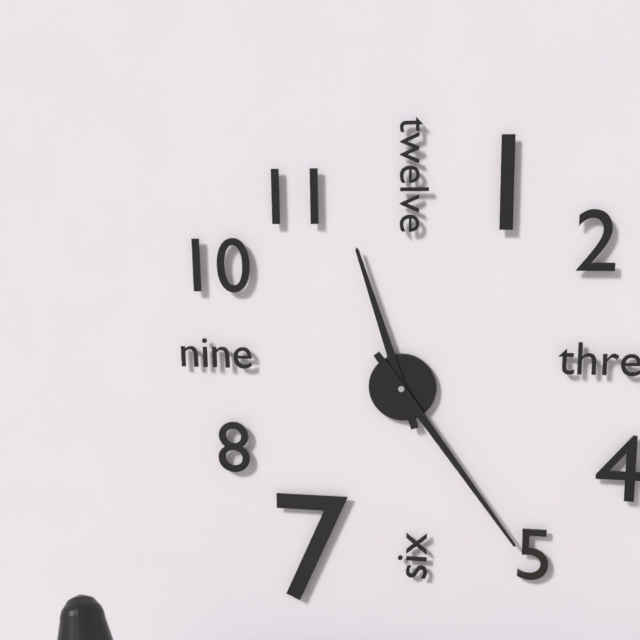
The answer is {"hour": 11, "minute": 24}
